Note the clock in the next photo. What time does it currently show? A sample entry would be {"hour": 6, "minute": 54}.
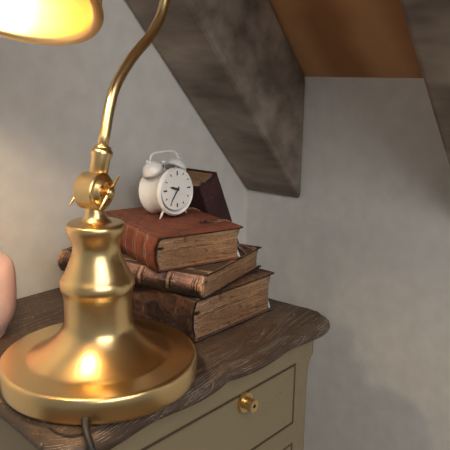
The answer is {"hour": 9, "minute": 36}
